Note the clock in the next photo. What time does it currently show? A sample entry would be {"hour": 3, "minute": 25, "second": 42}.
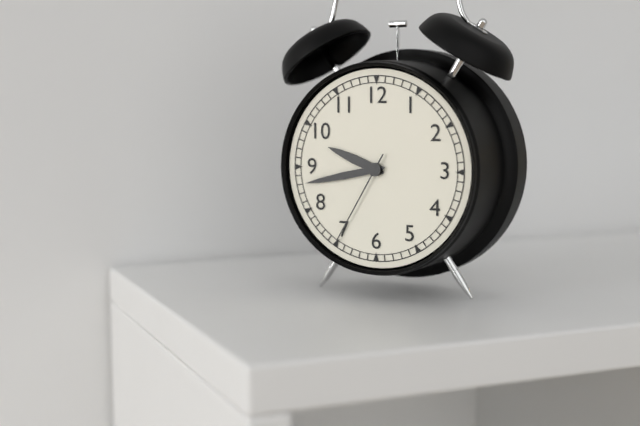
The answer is {"hour": 9, "minute": 43, "second": 35}
